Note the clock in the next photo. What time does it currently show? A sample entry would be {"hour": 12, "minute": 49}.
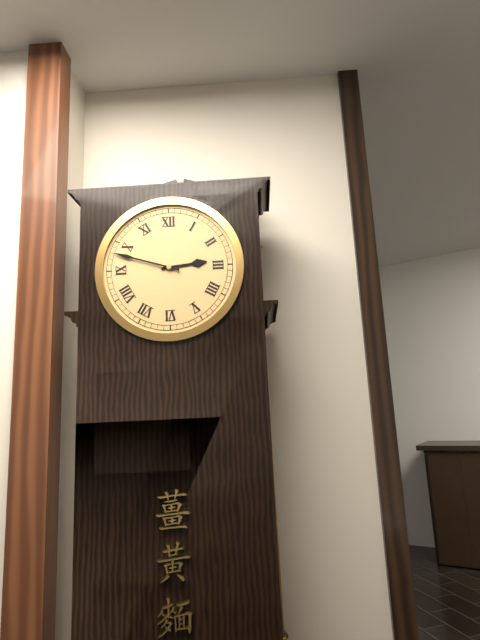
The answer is {"hour": 2, "minute": 48}
